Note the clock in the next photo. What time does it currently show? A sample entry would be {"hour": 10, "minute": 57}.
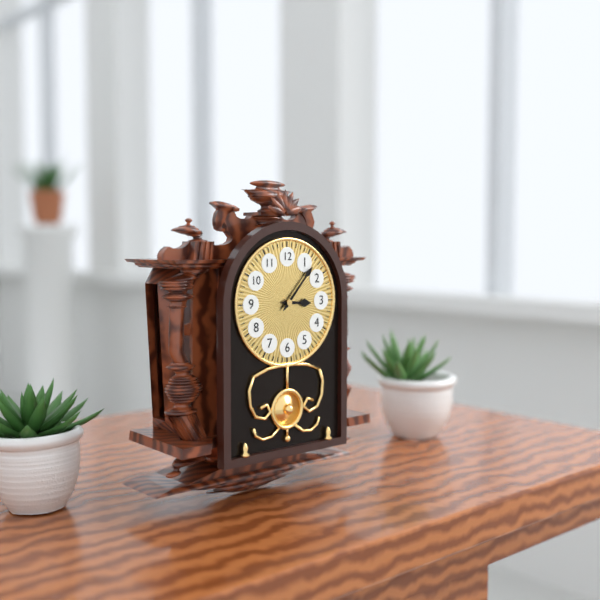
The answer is {"hour": 3, "minute": 7}
